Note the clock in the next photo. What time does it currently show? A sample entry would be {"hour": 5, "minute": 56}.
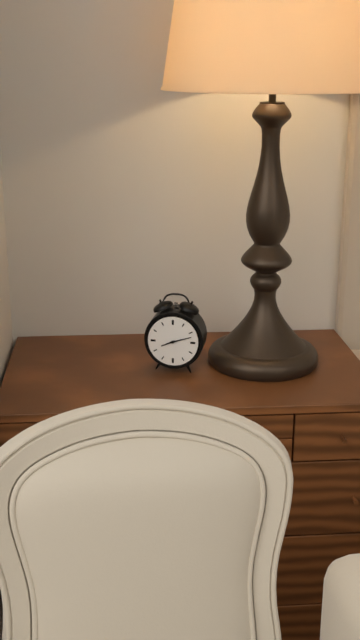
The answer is {"hour": 8, "minute": 12}
